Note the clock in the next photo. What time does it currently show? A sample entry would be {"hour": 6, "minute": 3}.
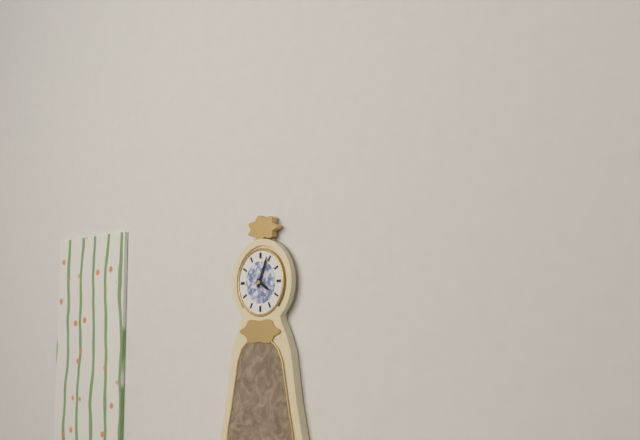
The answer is {"hour": 4, "minute": 4}
